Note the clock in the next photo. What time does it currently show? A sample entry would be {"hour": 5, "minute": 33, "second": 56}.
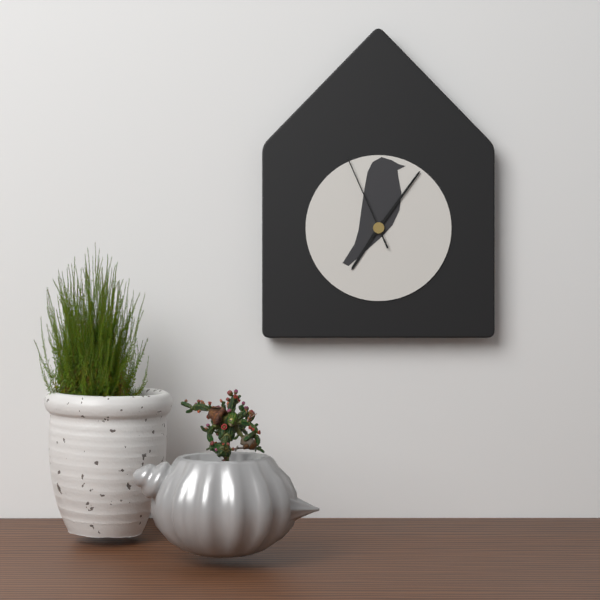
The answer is {"hour": 7, "minute": 6, "second": 56}
